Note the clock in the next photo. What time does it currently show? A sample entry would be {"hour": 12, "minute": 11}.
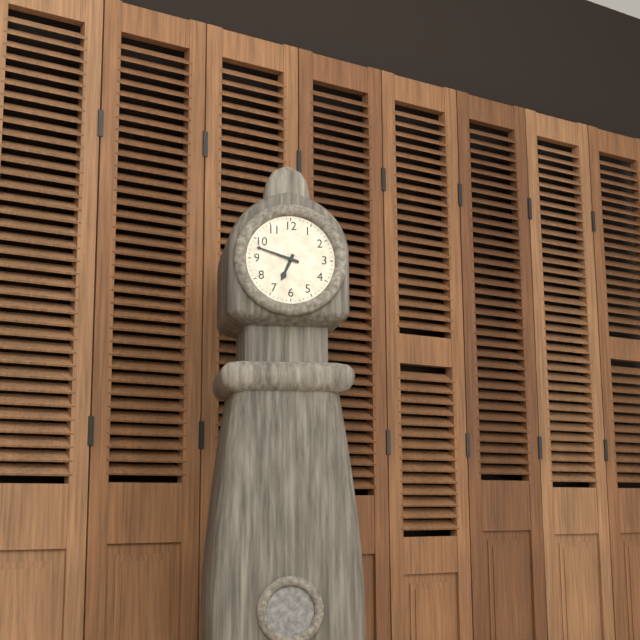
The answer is {"hour": 6, "minute": 48}
